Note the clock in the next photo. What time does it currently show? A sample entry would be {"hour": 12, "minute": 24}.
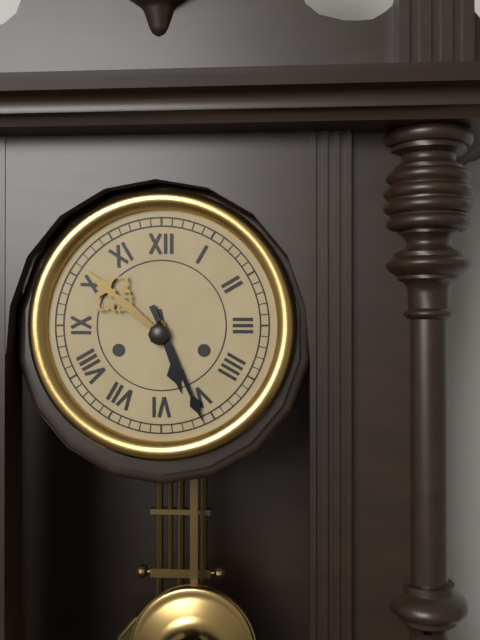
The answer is {"hour": 5, "minute": 26}
